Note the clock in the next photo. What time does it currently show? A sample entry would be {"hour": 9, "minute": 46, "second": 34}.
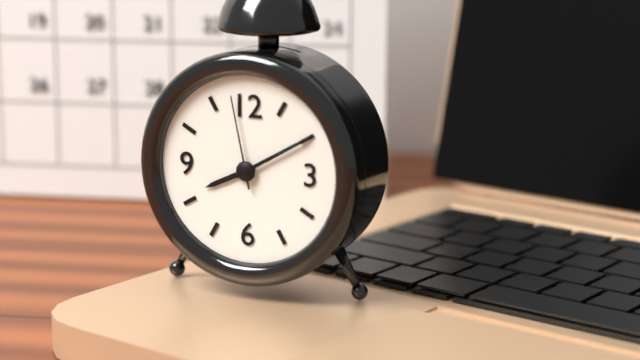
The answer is {"hour": 8, "minute": 10, "second": 58}
